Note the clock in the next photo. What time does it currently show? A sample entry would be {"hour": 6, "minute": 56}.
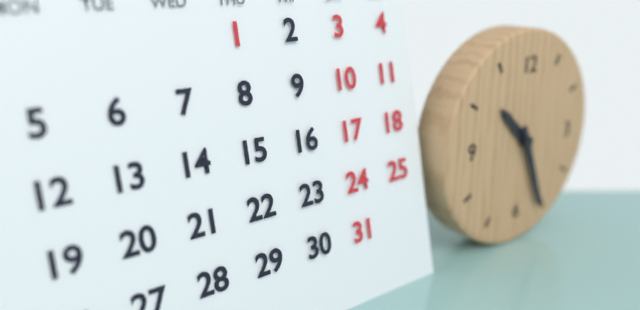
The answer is {"hour": 10, "minute": 26}
